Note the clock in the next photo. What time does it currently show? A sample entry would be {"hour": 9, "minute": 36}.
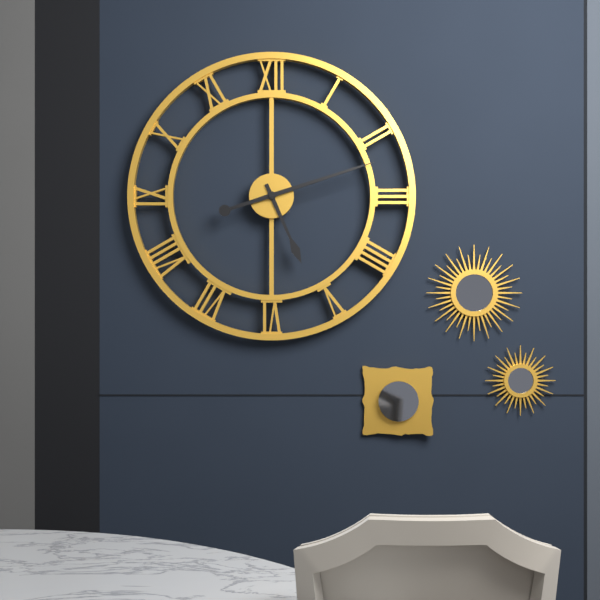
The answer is {"hour": 5, "minute": 12}
